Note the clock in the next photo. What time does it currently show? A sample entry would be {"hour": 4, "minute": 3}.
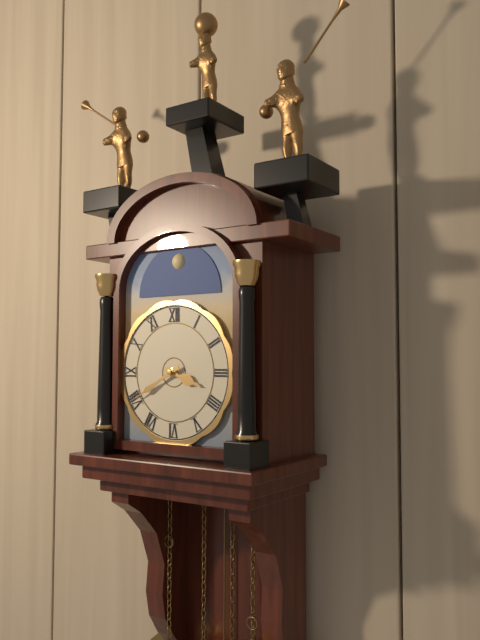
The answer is {"hour": 3, "minute": 40}
